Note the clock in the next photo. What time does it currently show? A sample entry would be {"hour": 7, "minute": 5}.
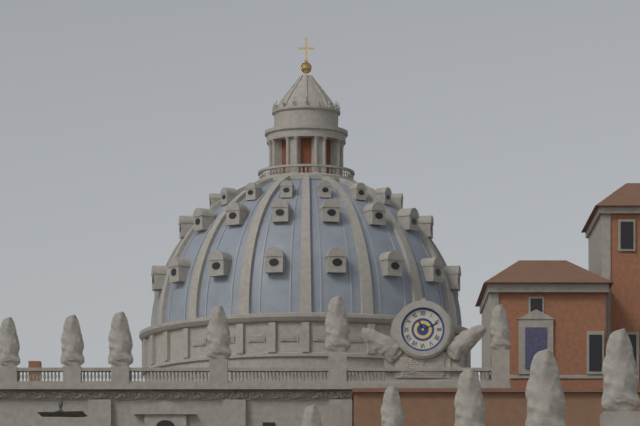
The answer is {"hour": 11, "minute": 11}
